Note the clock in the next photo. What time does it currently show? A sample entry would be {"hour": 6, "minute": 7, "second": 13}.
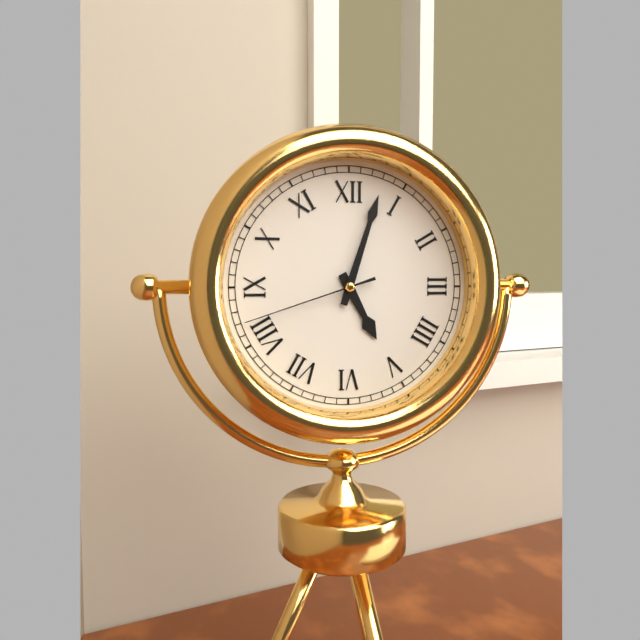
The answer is {"hour": 5, "minute": 3, "second": 42}
